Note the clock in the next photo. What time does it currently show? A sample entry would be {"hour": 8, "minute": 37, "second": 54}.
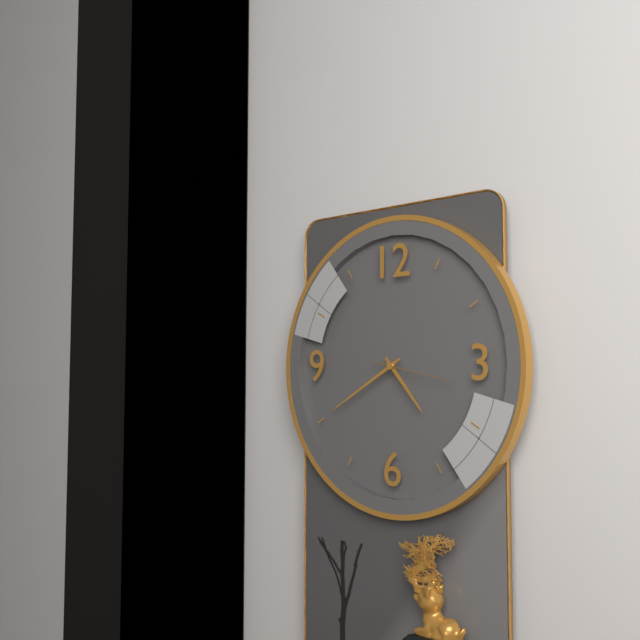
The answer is {"hour": 4, "minute": 40, "second": 17}
